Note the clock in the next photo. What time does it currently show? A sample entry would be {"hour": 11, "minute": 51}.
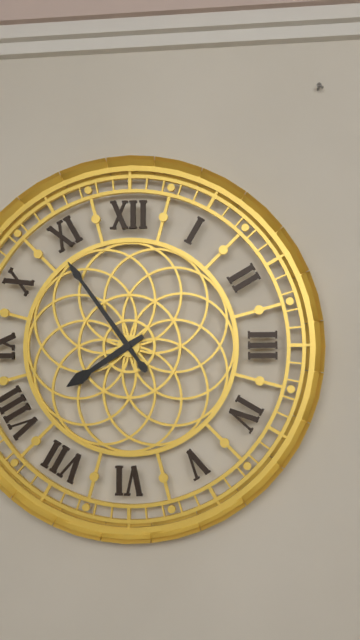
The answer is {"hour": 7, "minute": 54}
